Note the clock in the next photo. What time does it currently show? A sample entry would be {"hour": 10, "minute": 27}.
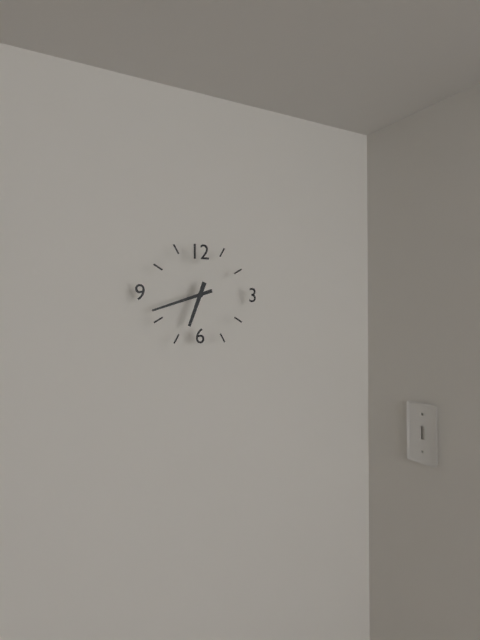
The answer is {"hour": 6, "minute": 42}
